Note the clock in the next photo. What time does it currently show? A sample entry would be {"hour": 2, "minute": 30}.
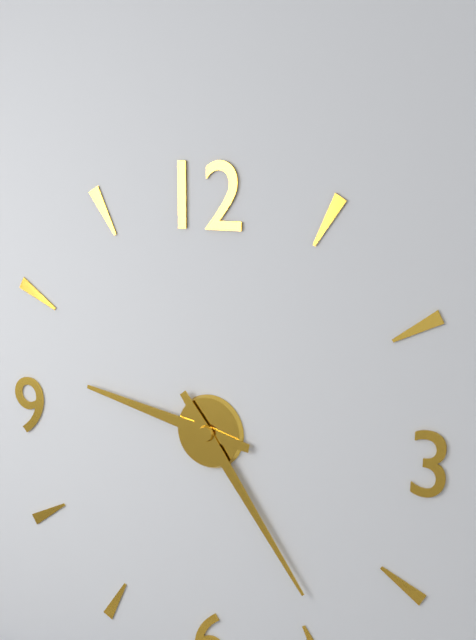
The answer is {"hour": 9, "minute": 24}
